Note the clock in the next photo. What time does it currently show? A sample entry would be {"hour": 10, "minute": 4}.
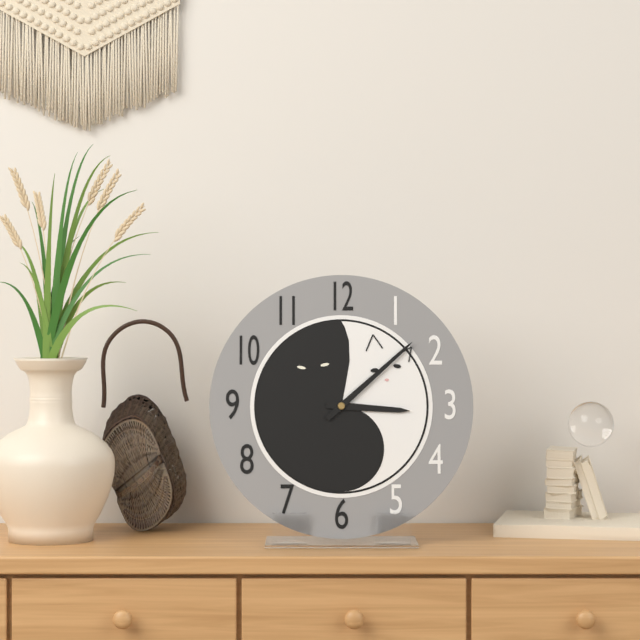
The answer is {"hour": 3, "minute": 8}
